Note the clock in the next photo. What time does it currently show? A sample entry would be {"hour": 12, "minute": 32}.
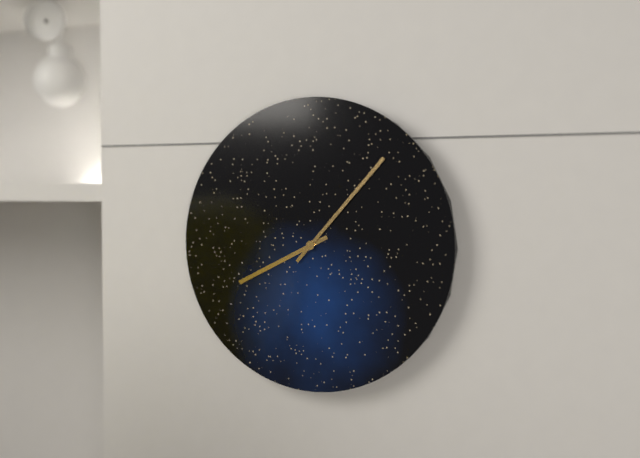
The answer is {"hour": 8, "minute": 7}
